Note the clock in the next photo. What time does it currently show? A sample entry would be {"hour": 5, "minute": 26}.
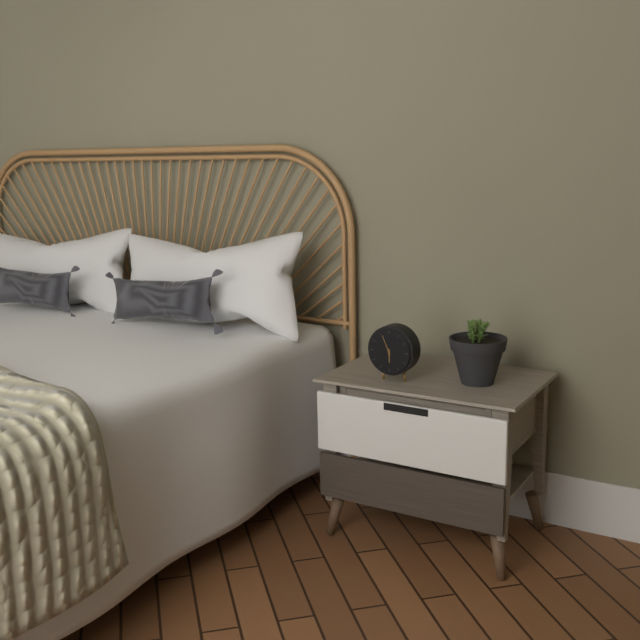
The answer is {"hour": 5, "minute": 56}
